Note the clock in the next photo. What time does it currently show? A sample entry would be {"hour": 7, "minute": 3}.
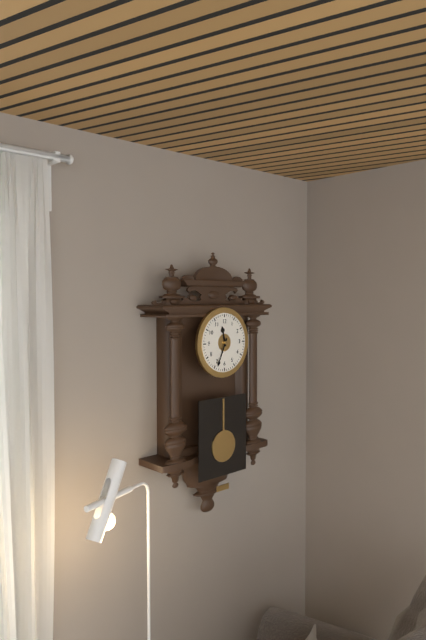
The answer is {"hour": 11, "minute": 34}
